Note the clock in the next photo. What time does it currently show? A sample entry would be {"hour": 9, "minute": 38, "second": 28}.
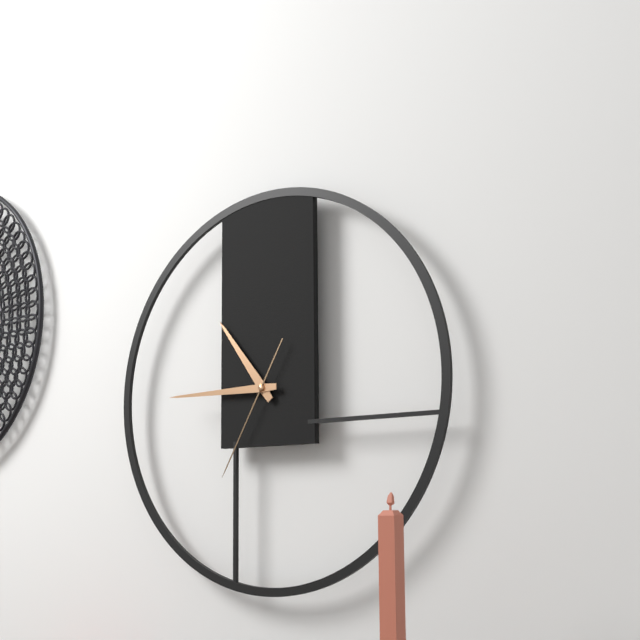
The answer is {"hour": 10, "minute": 45, "second": 35}
